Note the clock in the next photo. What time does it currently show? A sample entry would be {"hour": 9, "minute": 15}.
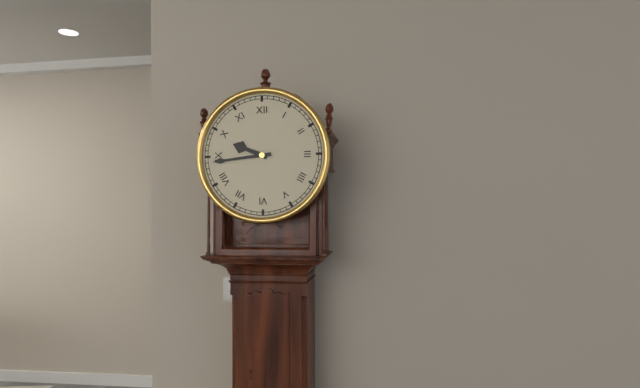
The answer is {"hour": 9, "minute": 44}
